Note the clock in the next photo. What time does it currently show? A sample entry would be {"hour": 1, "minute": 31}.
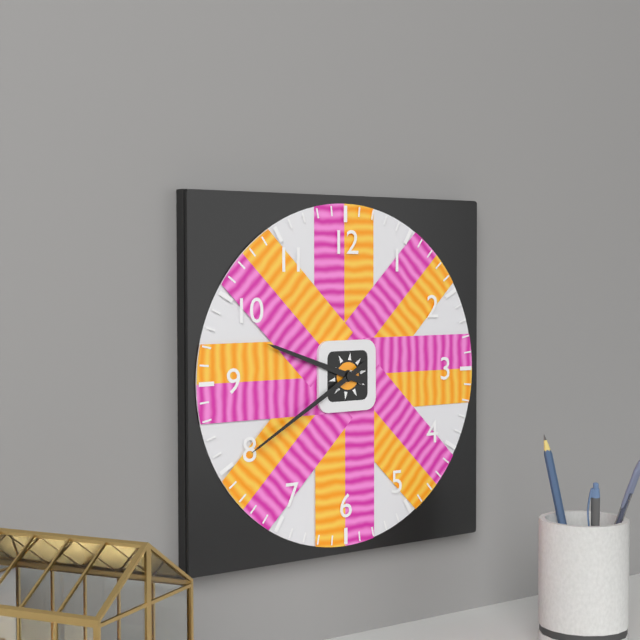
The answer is {"hour": 9, "minute": 40}
